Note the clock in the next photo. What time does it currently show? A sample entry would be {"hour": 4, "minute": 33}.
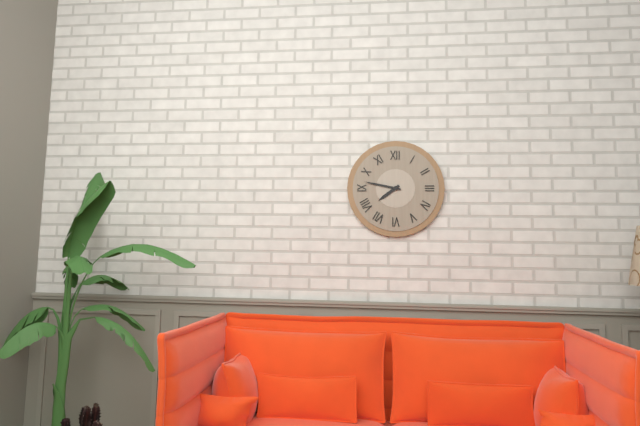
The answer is {"hour": 7, "minute": 47}
